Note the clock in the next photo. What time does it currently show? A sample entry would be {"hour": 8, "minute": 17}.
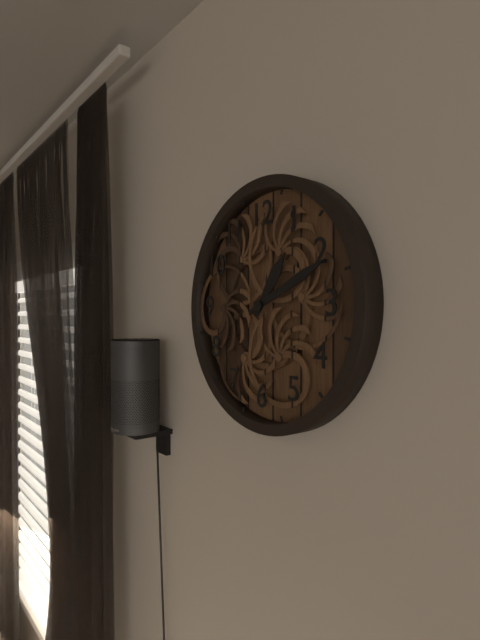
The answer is {"hour": 1, "minute": 11}
